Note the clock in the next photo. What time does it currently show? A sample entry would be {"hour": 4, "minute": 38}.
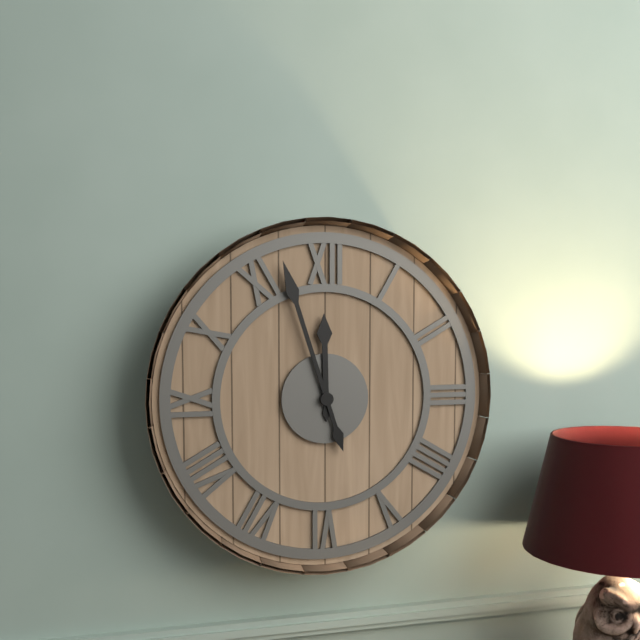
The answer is {"hour": 11, "minute": 57}
